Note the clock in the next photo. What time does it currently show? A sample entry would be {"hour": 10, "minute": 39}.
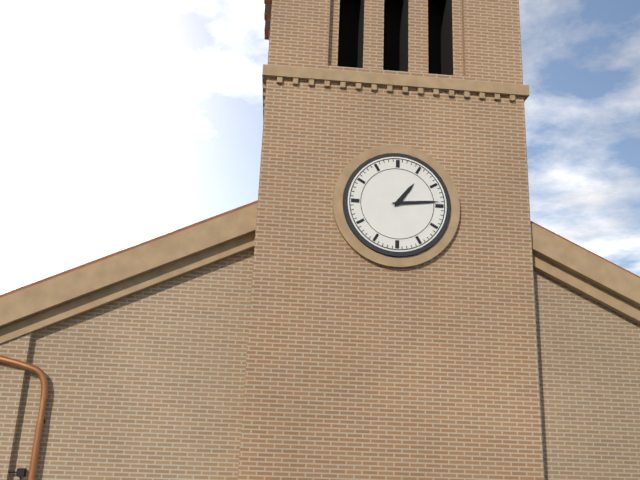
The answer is {"hour": 1, "minute": 14}
